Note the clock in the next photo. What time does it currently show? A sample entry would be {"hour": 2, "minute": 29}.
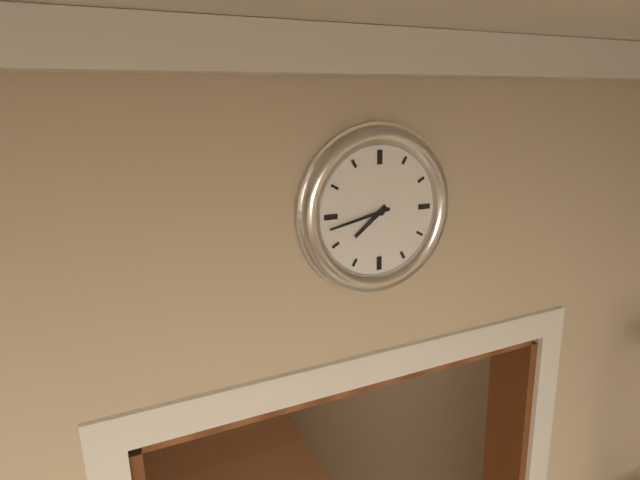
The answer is {"hour": 7, "minute": 43}
